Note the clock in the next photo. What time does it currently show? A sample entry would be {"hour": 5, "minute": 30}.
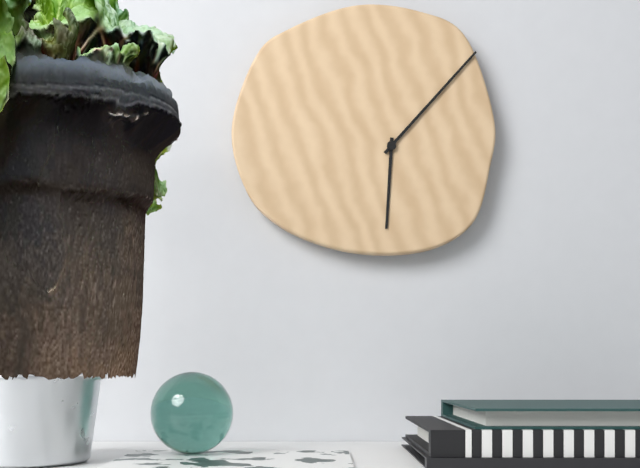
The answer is {"hour": 6, "minute": 7}
